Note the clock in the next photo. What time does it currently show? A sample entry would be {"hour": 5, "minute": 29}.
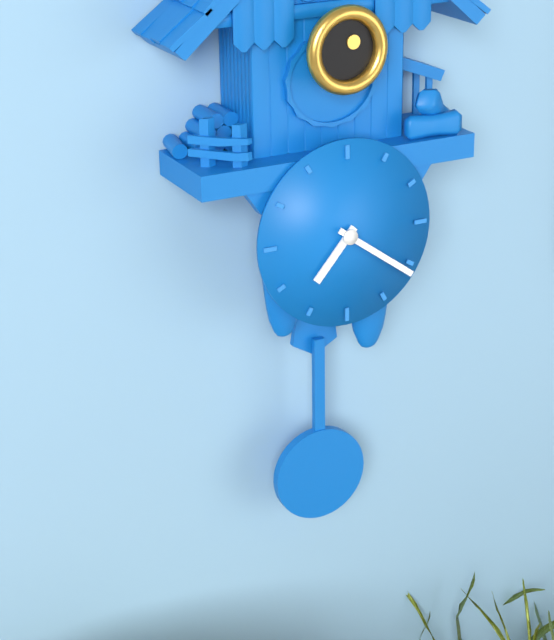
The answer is {"hour": 7, "minute": 21}
